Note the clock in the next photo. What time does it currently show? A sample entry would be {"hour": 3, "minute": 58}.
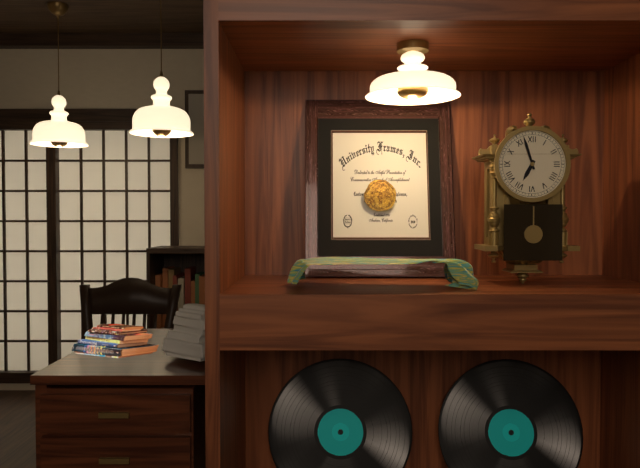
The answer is {"hour": 6, "minute": 57}
